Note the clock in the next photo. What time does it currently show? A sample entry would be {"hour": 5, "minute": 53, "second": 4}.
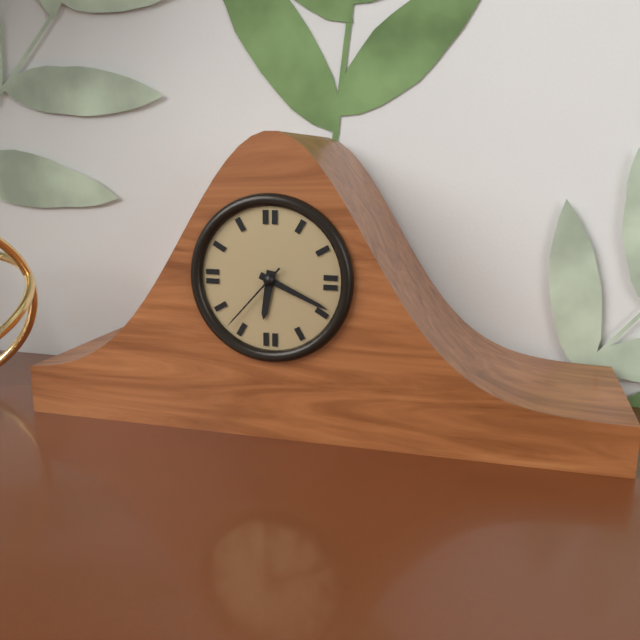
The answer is {"hour": 6, "minute": 19, "second": 37}
